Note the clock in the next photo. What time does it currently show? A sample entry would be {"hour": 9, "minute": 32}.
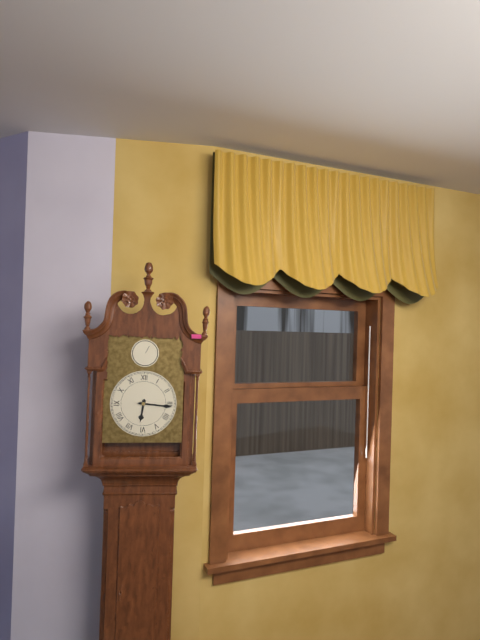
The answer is {"hour": 6, "minute": 16}
